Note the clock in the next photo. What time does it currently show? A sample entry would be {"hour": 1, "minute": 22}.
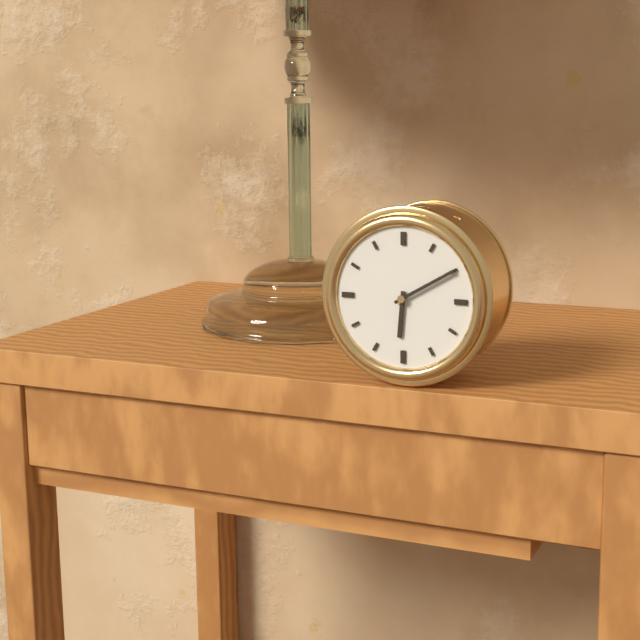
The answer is {"hour": 6, "minute": 10}
